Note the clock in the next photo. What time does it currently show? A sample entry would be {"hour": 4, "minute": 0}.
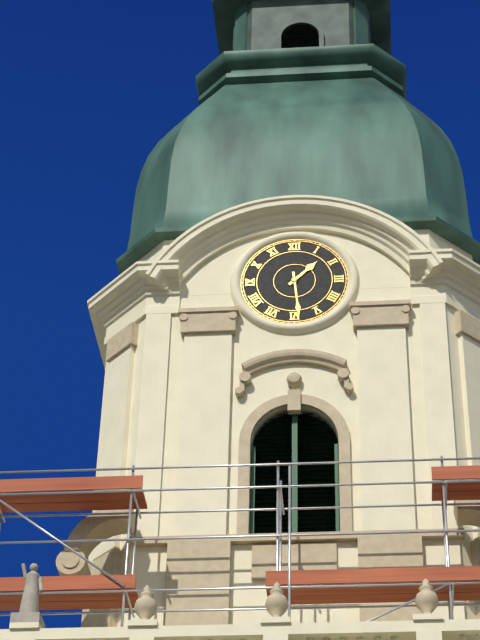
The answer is {"hour": 1, "minute": 29}
